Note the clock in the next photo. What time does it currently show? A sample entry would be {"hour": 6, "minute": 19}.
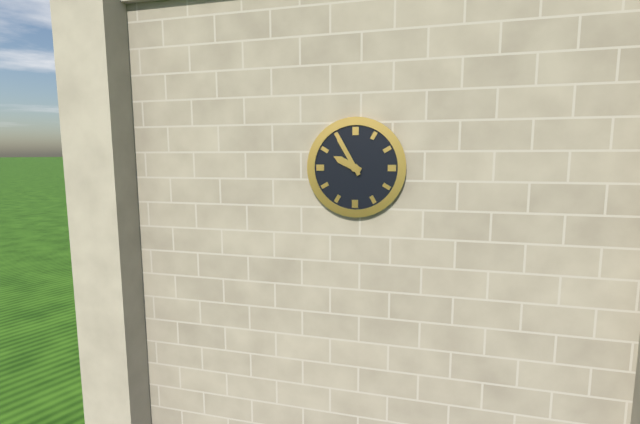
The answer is {"hour": 9, "minute": 55}
